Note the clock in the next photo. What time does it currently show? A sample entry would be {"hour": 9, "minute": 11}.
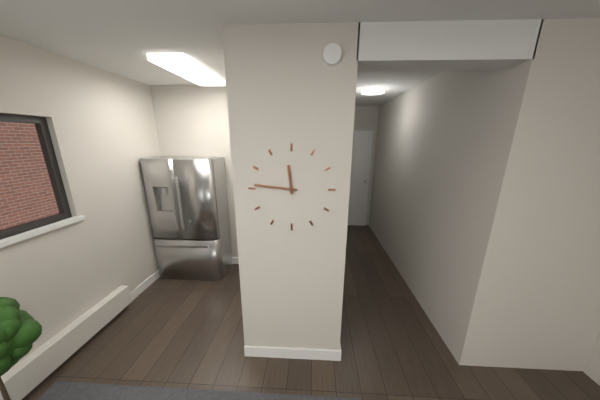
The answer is {"hour": 11, "minute": 46}
